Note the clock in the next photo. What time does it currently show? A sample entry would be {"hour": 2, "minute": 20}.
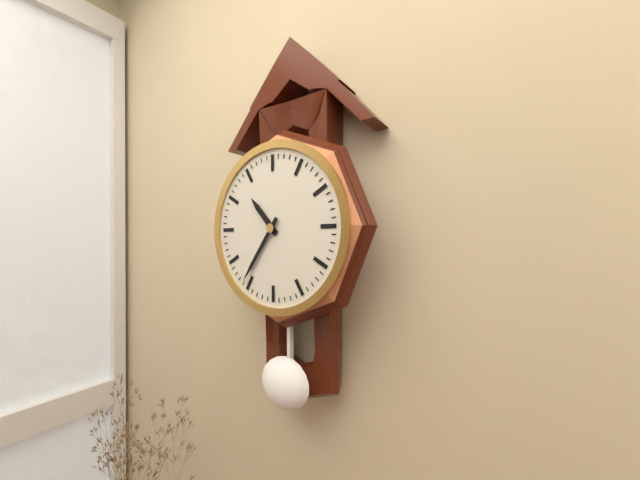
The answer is {"hour": 10, "minute": 36}
